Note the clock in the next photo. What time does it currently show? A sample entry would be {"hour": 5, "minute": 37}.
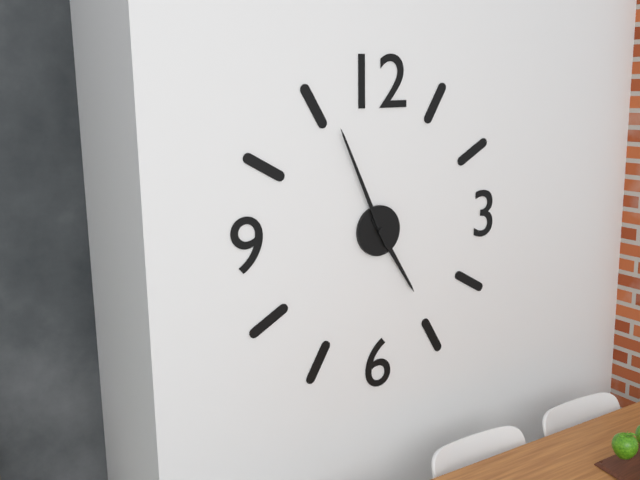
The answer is {"hour": 4, "minute": 56}
